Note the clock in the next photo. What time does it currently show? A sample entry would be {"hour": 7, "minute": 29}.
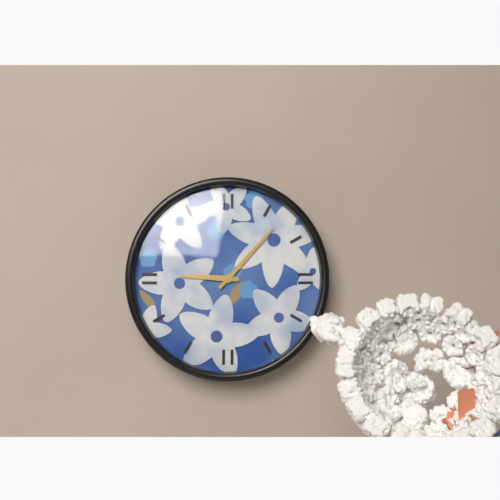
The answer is {"hour": 9, "minute": 7}
